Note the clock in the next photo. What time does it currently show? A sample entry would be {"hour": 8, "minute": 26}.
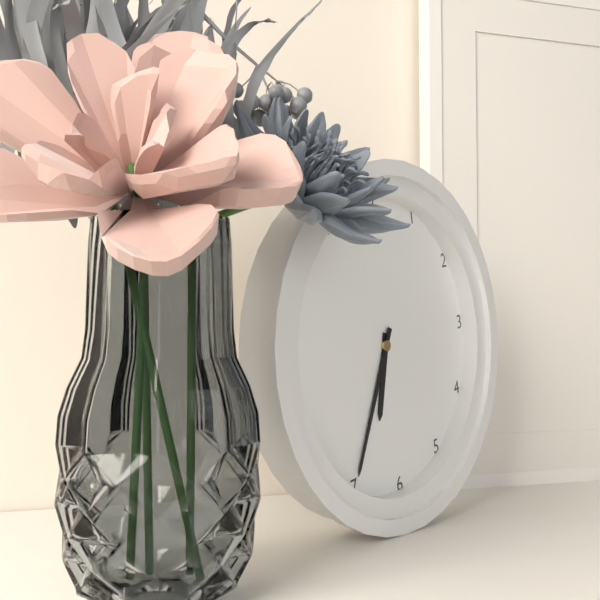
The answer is {"hour": 6, "minute": 35}
